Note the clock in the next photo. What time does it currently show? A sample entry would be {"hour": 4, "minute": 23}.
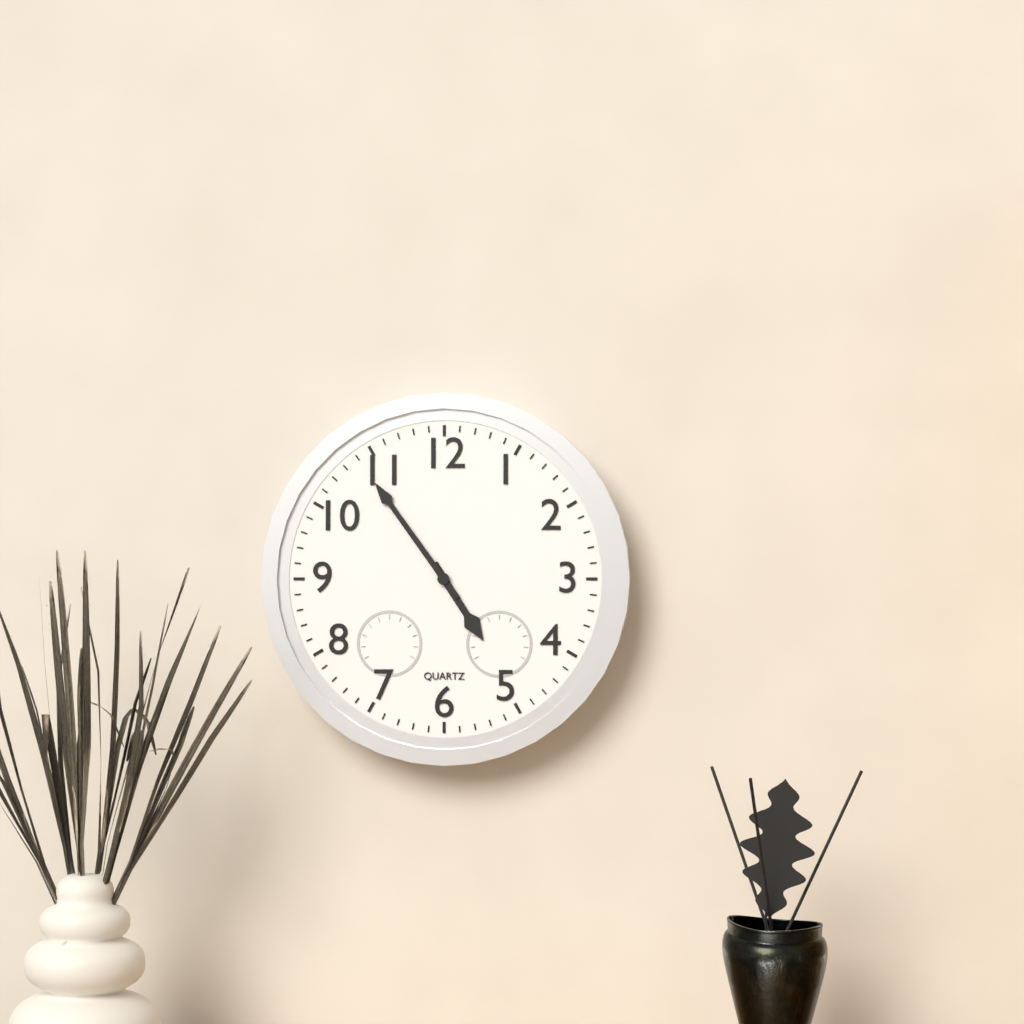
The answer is {"hour": 4, "minute": 54}
